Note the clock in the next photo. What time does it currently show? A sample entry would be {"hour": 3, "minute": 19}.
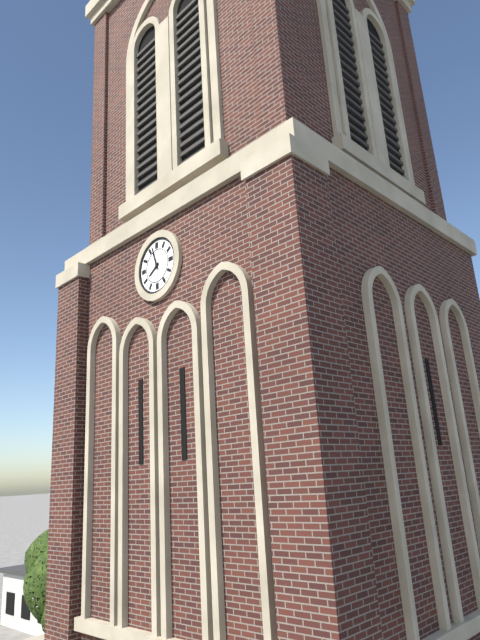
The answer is {"hour": 7, "minute": 57}
